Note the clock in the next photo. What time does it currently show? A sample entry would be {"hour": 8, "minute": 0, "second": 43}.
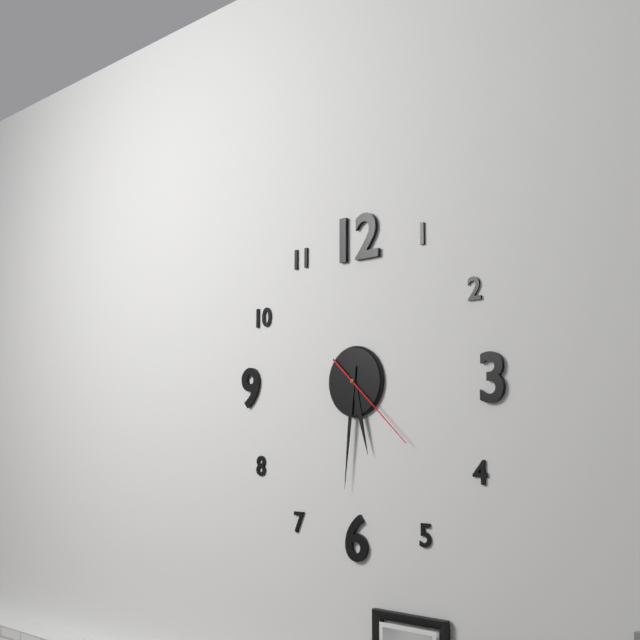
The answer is {"hour": 5, "minute": 31, "second": 22}
